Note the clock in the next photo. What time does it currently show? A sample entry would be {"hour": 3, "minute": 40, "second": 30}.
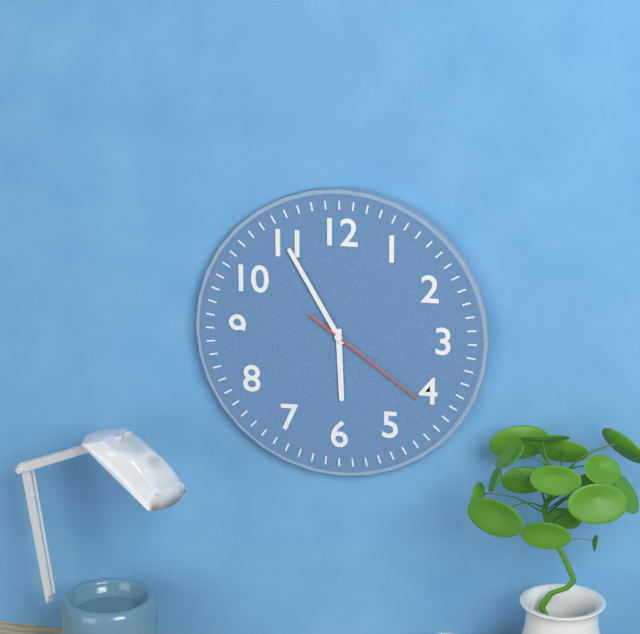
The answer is {"hour": 5, "minute": 55, "second": 21}
